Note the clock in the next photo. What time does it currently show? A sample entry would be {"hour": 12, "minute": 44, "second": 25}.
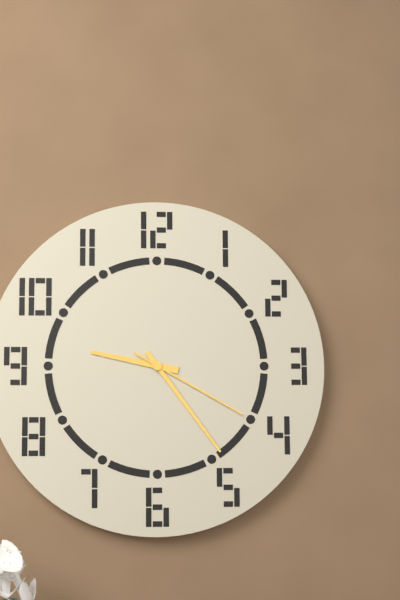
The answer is {"hour": 9, "minute": 24, "second": 20}
